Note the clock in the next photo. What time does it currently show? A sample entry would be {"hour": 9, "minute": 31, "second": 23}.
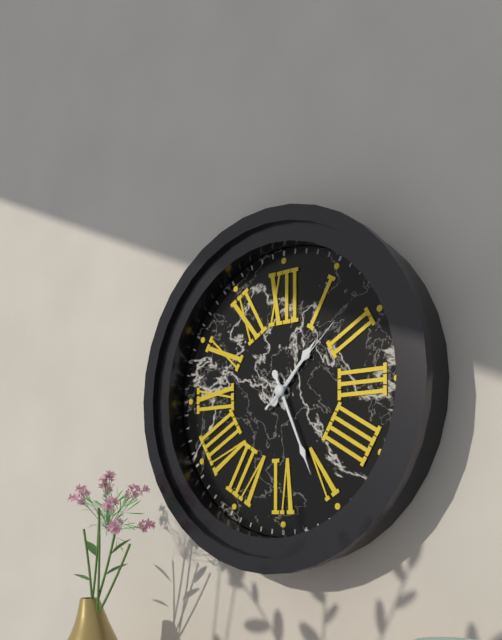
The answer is {"hour": 1, "minute": 26, "second": 8}
